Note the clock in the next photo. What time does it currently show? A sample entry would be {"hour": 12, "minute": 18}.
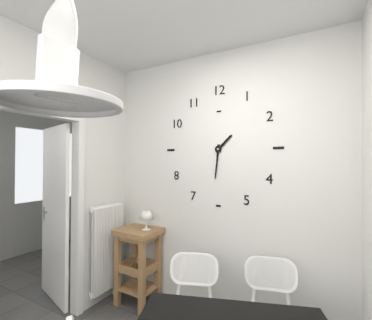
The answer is {"hour": 1, "minute": 31}
